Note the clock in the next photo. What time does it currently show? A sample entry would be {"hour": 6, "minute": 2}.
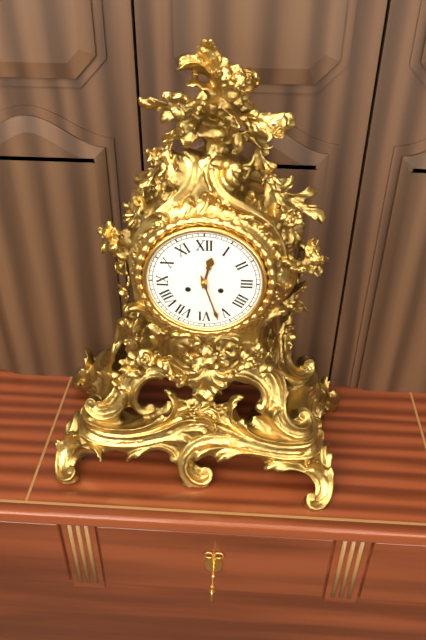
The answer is {"hour": 12, "minute": 27}
